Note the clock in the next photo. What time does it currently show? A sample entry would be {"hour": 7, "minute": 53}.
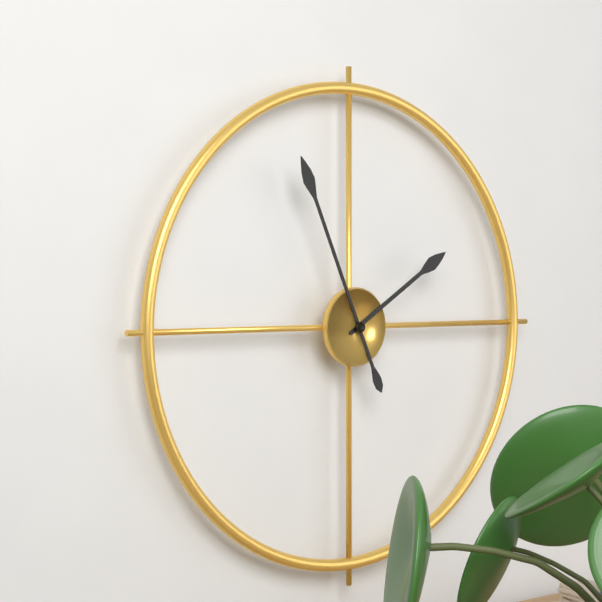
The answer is {"hour": 1, "minute": 56}
